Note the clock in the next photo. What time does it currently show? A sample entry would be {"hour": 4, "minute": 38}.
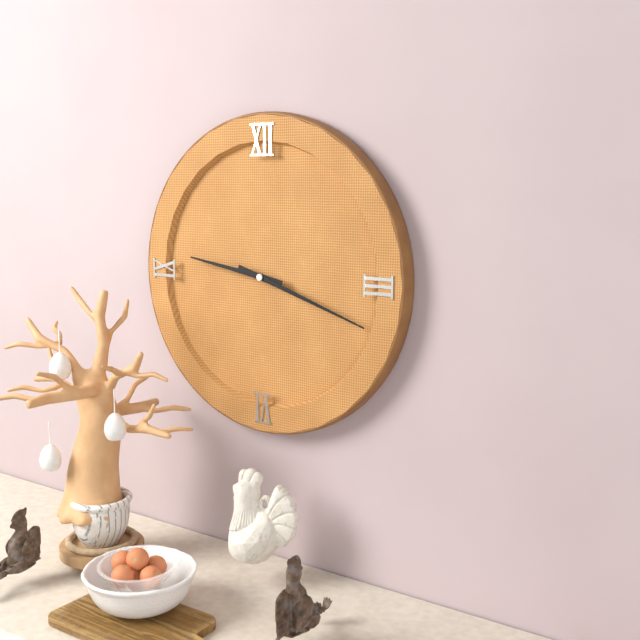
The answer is {"hour": 9, "minute": 18}
